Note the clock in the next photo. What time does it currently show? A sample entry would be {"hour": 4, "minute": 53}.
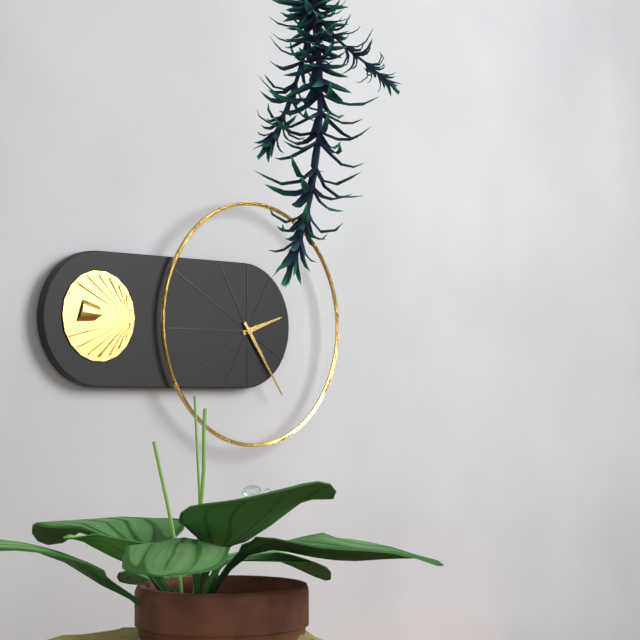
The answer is {"hour": 2, "minute": 24}
